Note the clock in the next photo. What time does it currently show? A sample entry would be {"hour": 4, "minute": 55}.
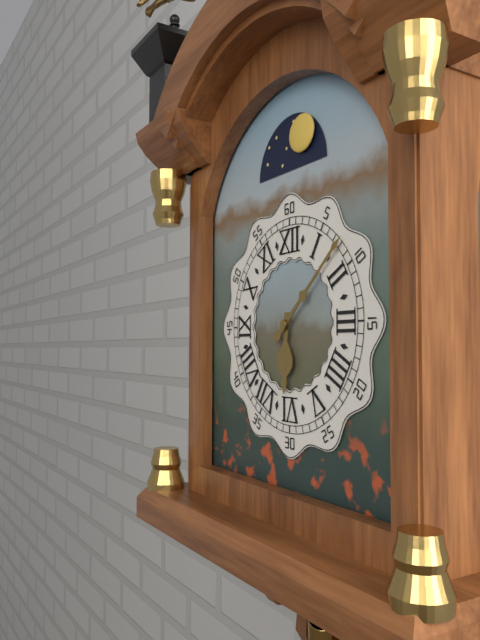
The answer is {"hour": 6, "minute": 8}
